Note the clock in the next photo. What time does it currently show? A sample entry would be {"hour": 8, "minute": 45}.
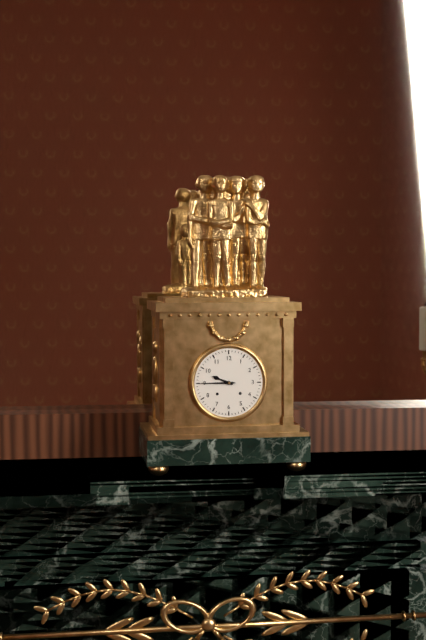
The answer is {"hour": 9, "minute": 45}
